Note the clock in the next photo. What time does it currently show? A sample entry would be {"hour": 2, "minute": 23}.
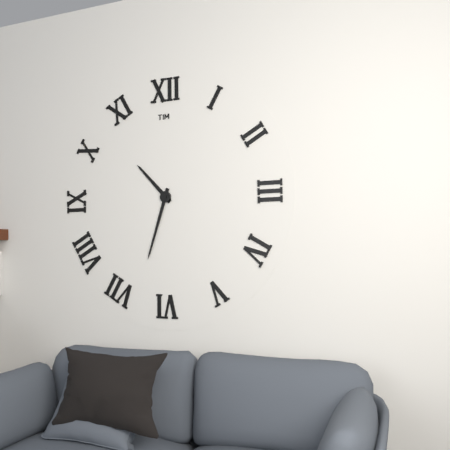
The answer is {"hour": 10, "minute": 33}
